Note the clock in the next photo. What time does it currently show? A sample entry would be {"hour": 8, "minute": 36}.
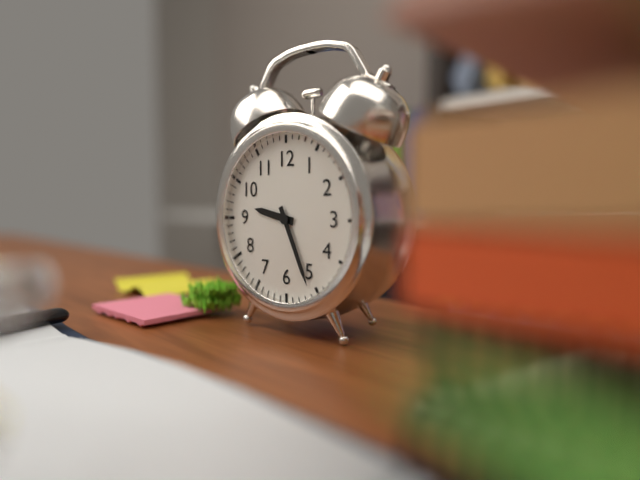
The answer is {"hour": 9, "minute": 26}
